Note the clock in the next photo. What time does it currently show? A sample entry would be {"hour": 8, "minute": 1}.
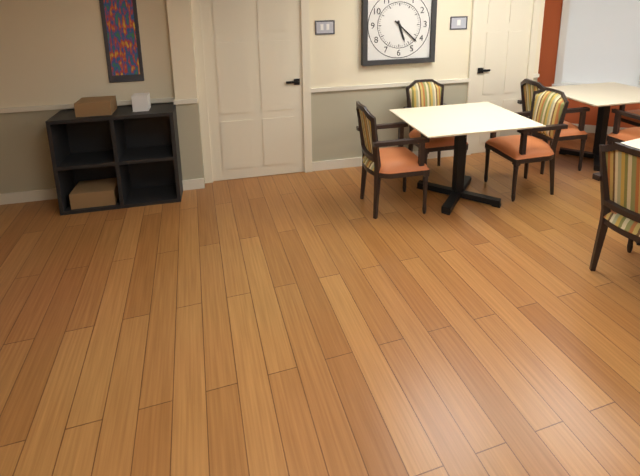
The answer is {"hour": 5, "minute": 22}
